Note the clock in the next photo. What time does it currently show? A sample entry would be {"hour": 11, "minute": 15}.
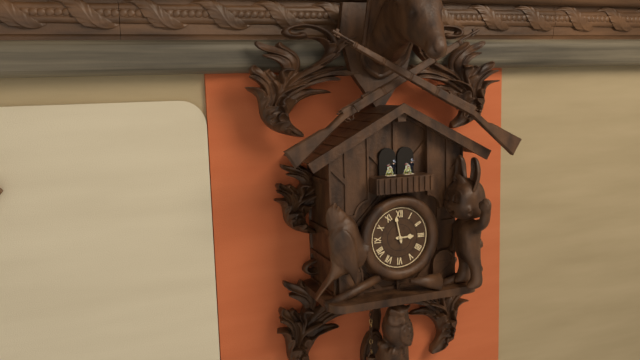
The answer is {"hour": 2, "minute": 58}
